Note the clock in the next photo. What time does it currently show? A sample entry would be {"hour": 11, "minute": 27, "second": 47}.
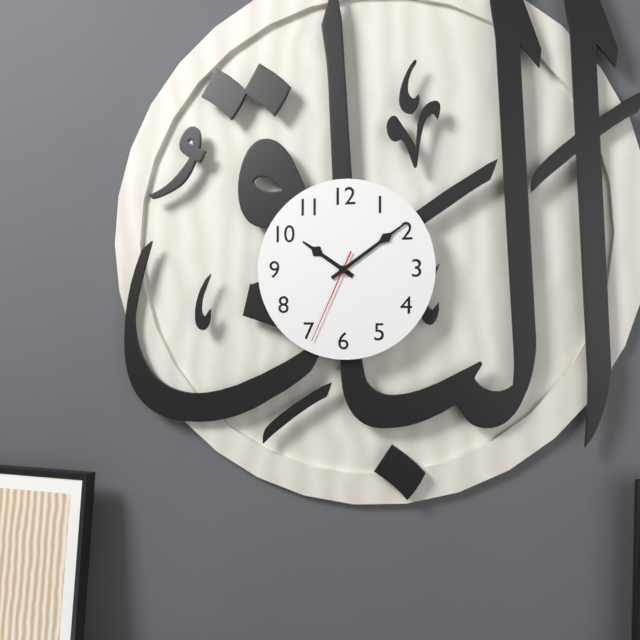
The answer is {"hour": 10, "minute": 9, "second": 34}
